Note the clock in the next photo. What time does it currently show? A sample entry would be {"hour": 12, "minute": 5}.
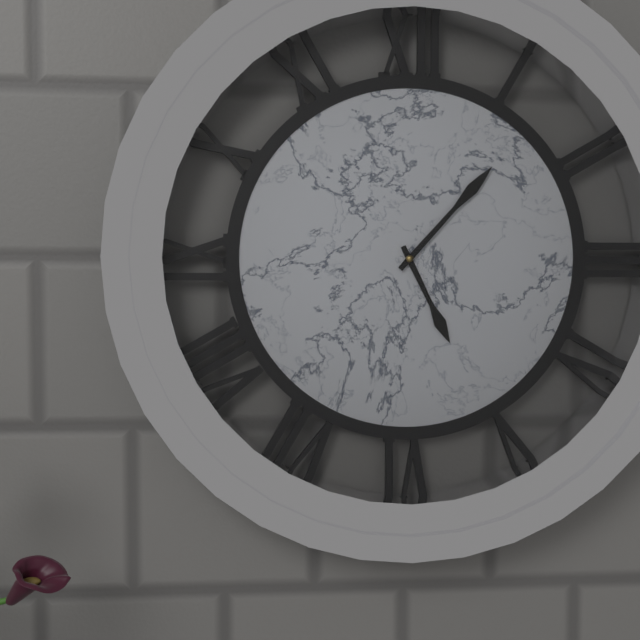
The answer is {"hour": 5, "minute": 7}
